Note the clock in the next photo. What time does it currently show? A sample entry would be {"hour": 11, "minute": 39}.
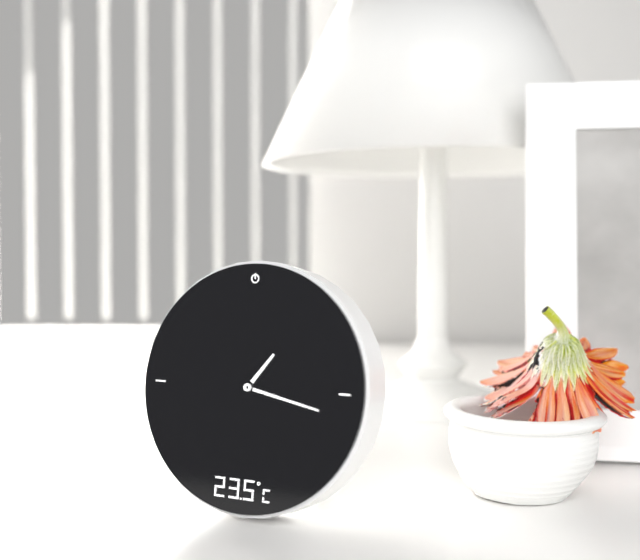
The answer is {"hour": 1, "minute": 17}
